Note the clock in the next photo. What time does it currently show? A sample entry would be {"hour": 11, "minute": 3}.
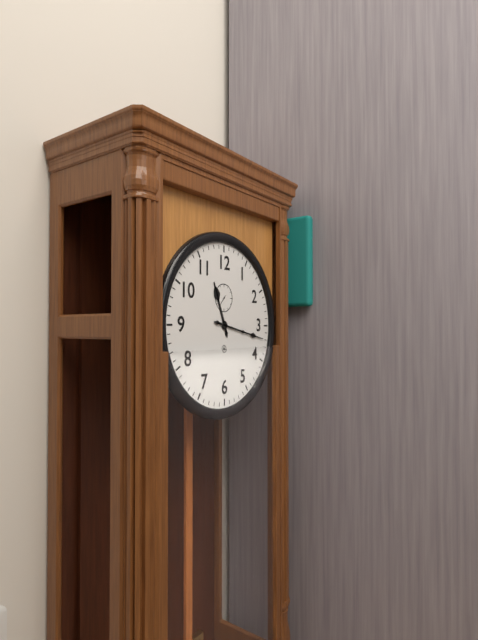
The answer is {"hour": 11, "minute": 17}
